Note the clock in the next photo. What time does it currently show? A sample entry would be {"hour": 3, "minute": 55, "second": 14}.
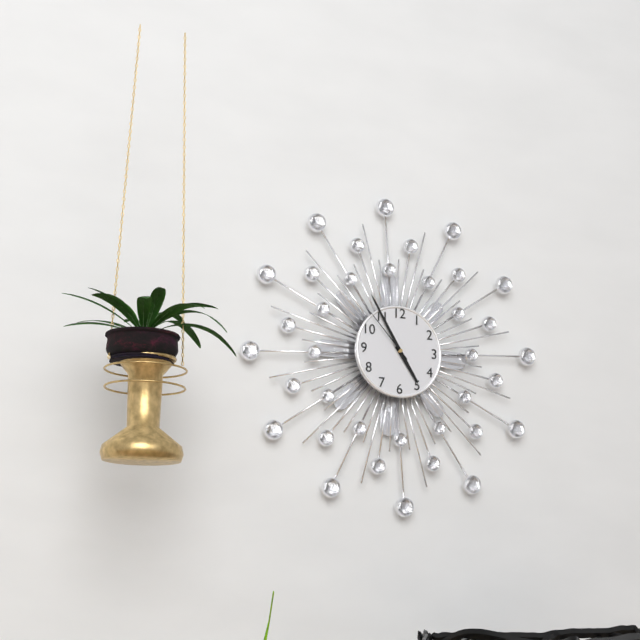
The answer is {"hour": 4, "minute": 55, "second": 53}
